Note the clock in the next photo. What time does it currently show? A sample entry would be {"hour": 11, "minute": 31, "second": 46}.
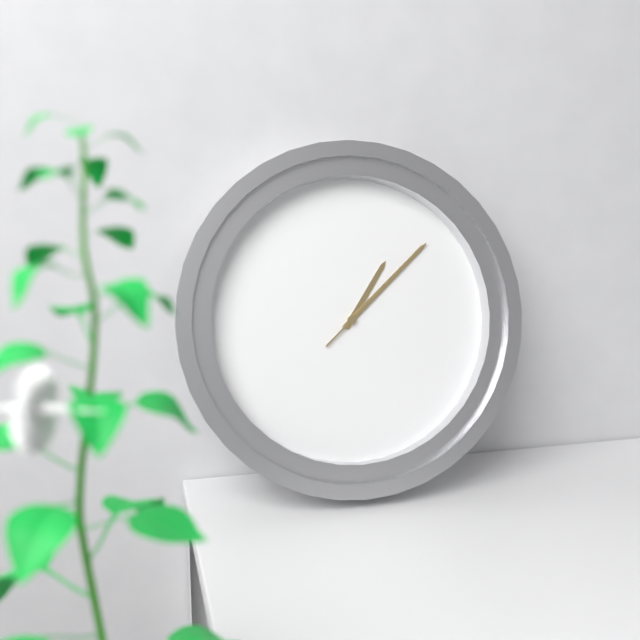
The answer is {"hour": 1, "minute": 8, "second": 8}
